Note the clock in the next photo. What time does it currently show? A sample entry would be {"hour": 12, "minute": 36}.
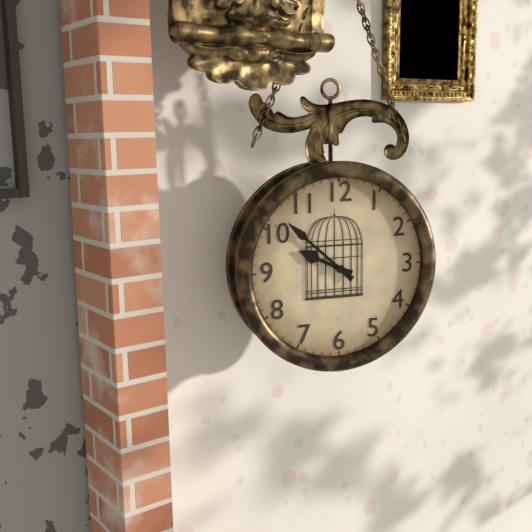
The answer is {"hour": 9, "minute": 52}
